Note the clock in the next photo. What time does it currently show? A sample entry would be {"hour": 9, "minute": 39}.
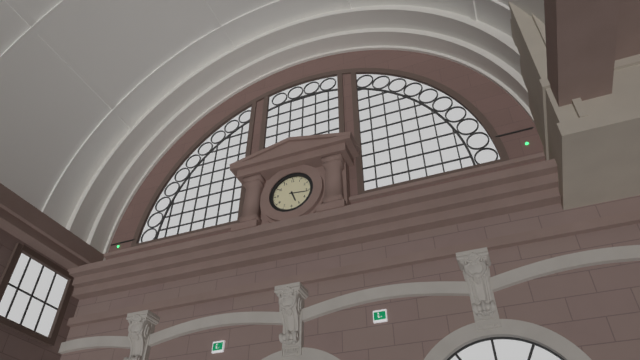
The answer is {"hour": 5, "minute": 16}
